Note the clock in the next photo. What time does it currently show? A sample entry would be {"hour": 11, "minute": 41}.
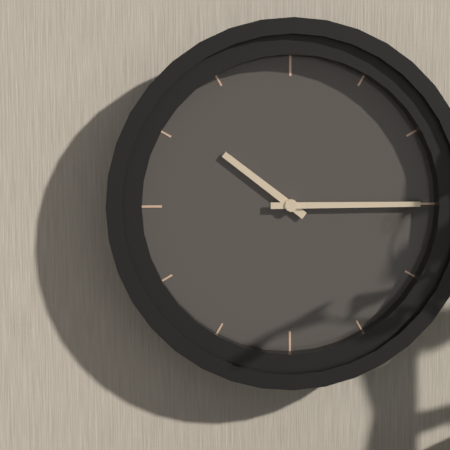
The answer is {"hour": 10, "minute": 15}
